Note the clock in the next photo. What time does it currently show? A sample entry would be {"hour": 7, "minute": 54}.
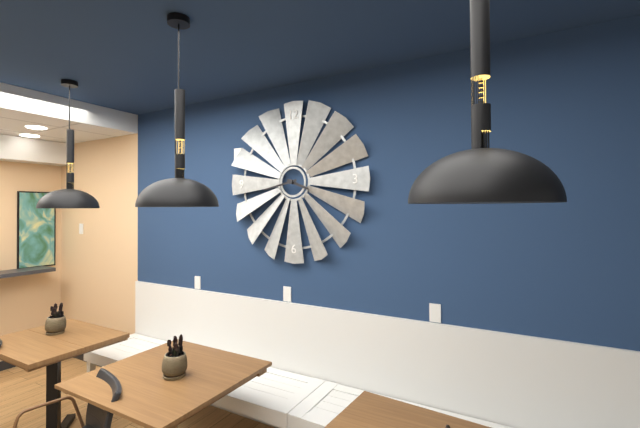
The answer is {"hour": 3, "minute": 43}
